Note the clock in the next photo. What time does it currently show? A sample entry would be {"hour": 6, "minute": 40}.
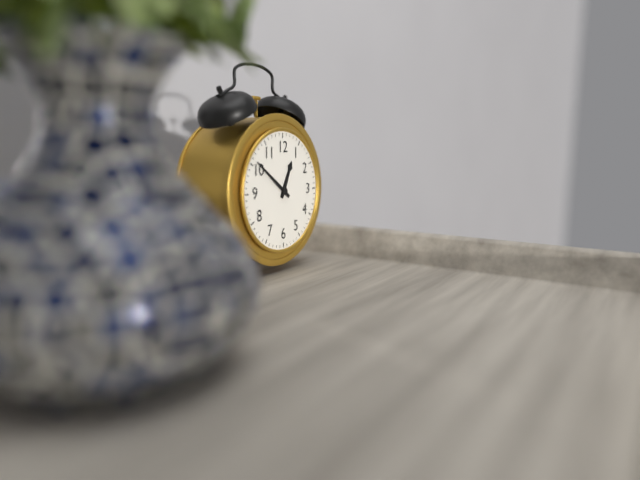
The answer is {"hour": 12, "minute": 51}
